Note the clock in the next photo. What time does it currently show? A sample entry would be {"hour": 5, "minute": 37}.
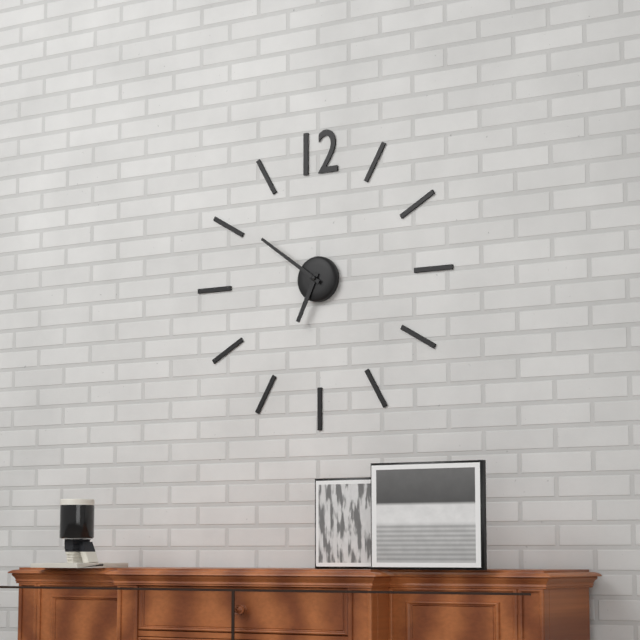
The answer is {"hour": 6, "minute": 51}
